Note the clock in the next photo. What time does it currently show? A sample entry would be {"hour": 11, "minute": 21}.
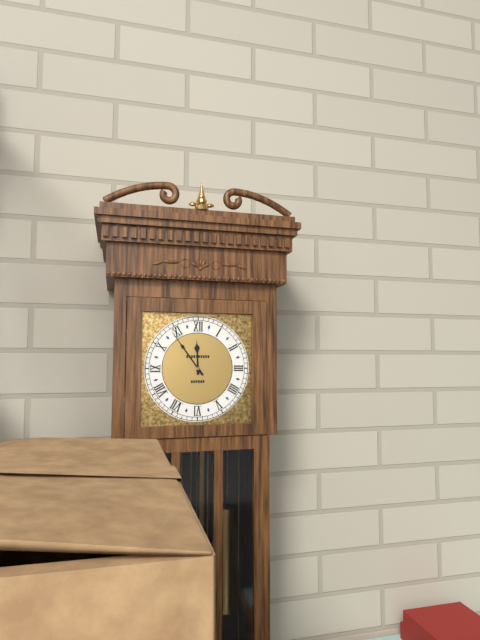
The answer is {"hour": 11, "minute": 54}
